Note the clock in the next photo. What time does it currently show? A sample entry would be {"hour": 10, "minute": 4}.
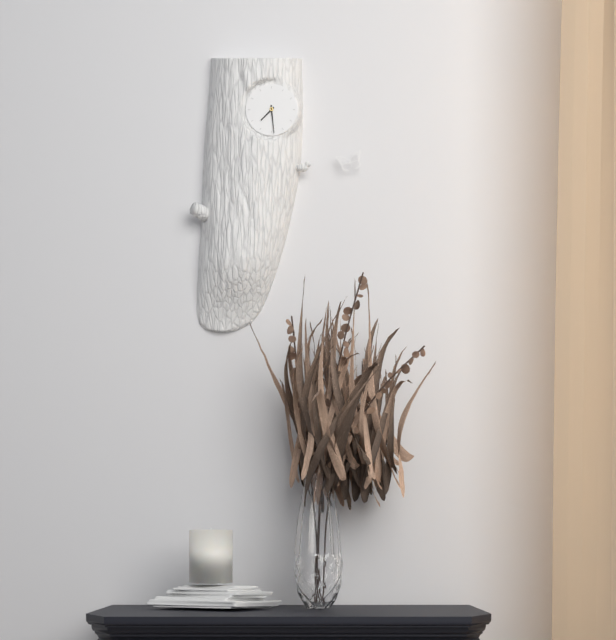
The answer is {"hour": 7, "minute": 29}
